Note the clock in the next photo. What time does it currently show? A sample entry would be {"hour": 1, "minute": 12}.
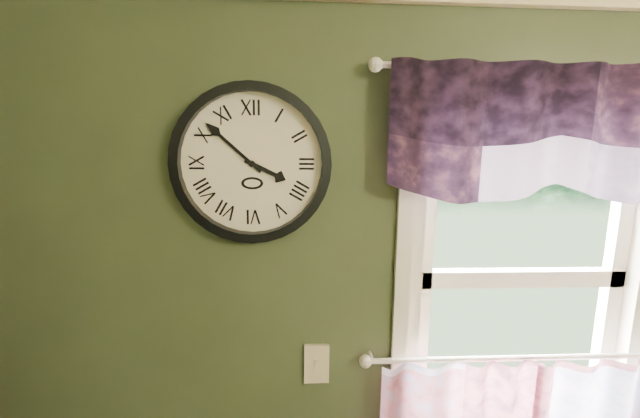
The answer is {"hour": 3, "minute": 52}
